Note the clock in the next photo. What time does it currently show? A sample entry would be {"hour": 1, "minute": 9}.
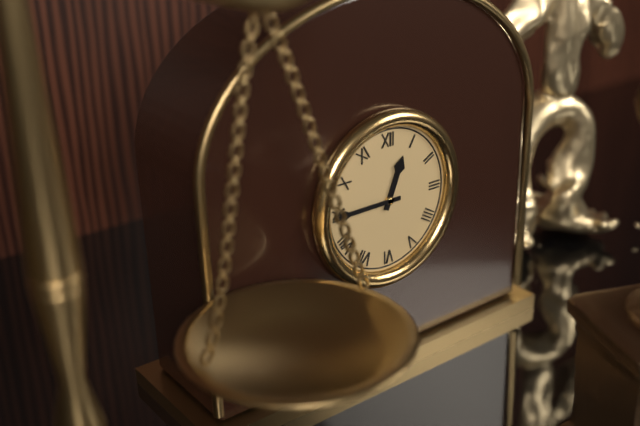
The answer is {"hour": 12, "minute": 45}
